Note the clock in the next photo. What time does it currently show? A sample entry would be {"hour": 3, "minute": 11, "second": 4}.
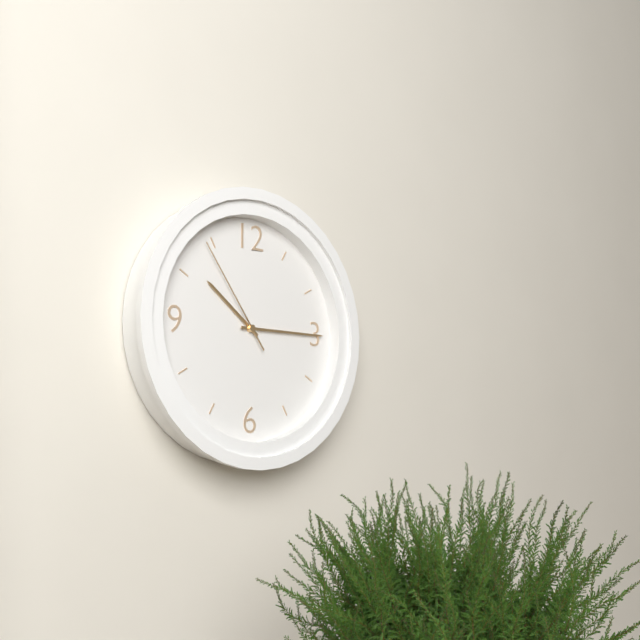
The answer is {"hour": 10, "minute": 15, "second": 54}
